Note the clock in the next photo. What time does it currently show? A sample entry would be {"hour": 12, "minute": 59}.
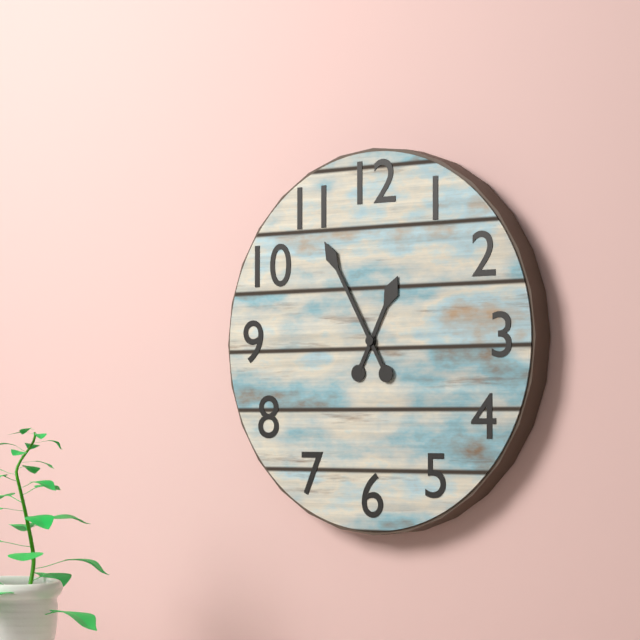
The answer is {"hour": 12, "minute": 55}
